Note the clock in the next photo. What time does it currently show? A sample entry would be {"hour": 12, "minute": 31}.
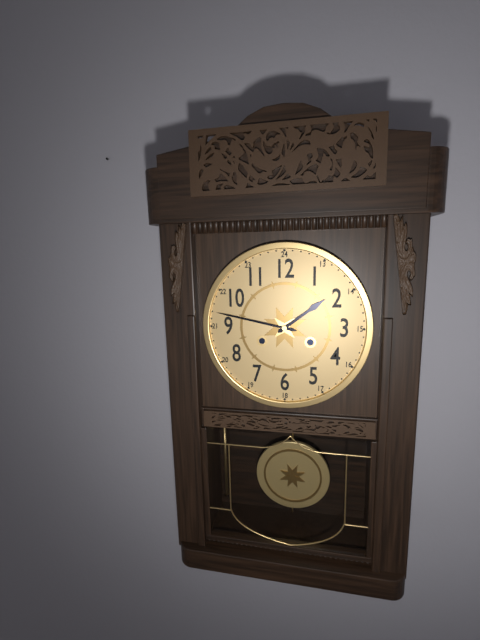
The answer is {"hour": 1, "minute": 47}
